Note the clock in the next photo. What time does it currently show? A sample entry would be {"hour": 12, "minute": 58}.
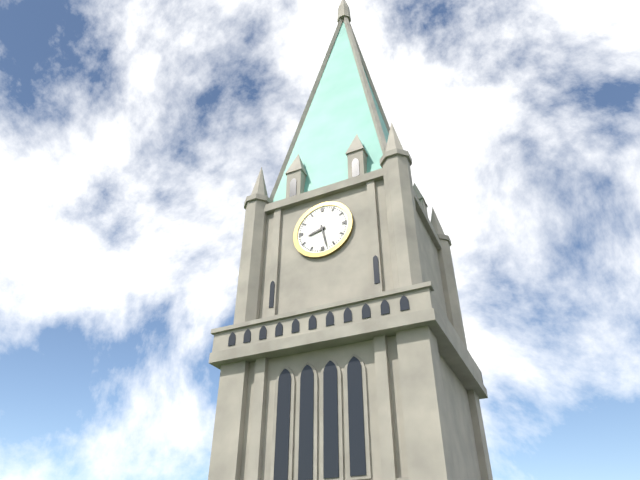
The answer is {"hour": 8, "minute": 28}
